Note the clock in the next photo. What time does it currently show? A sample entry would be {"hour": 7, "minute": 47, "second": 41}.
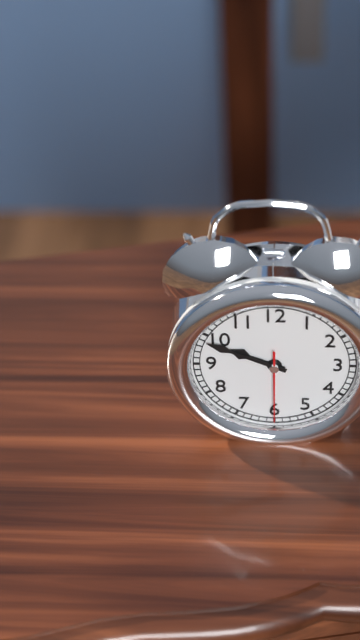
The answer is {"hour": 9, "minute": 49, "second": 30}
